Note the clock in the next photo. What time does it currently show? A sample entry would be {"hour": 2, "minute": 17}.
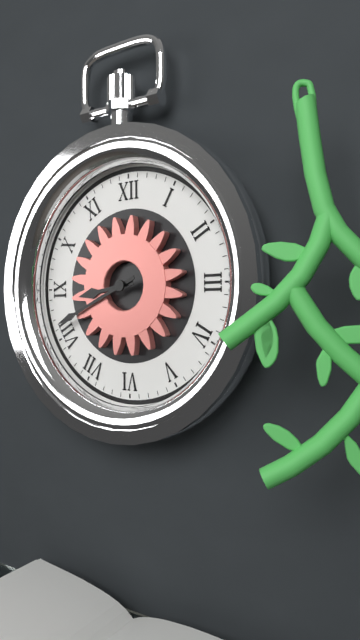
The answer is {"hour": 8, "minute": 41}
